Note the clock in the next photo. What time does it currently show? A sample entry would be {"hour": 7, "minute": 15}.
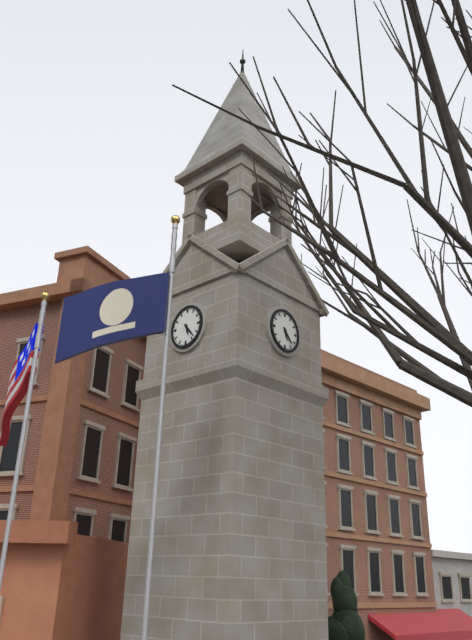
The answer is {"hour": 5, "minute": 23}
